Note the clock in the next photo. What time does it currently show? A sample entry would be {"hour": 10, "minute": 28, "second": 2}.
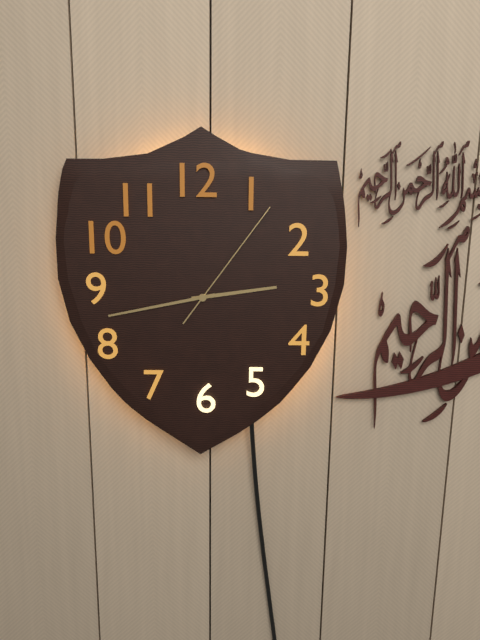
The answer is {"hour": 2, "minute": 43, "second": 6}
